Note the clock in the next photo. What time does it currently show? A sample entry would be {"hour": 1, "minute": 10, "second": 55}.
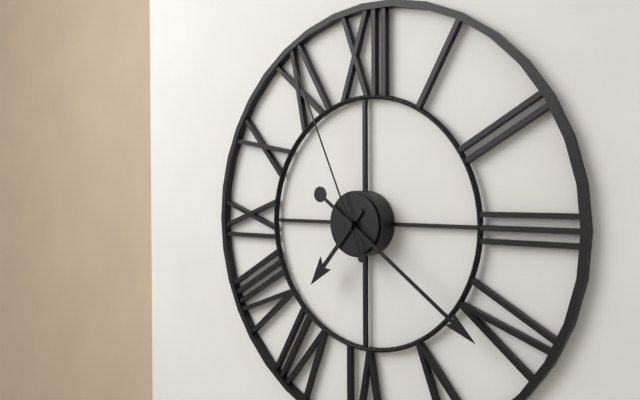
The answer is {"hour": 7, "minute": 21, "second": 56}
